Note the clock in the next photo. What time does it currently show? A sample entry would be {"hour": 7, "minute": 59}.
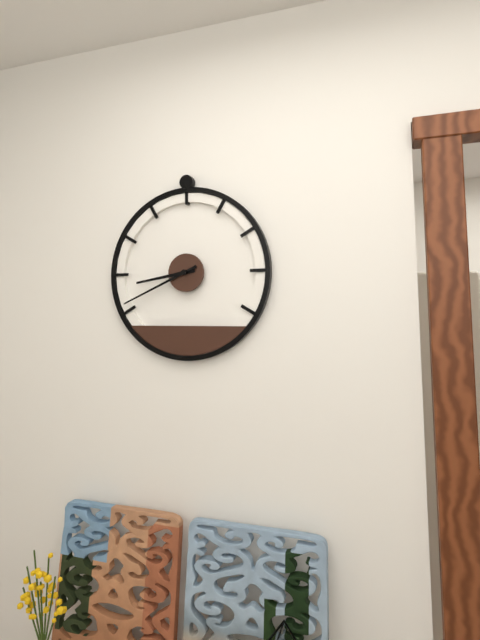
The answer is {"hour": 8, "minute": 41}
